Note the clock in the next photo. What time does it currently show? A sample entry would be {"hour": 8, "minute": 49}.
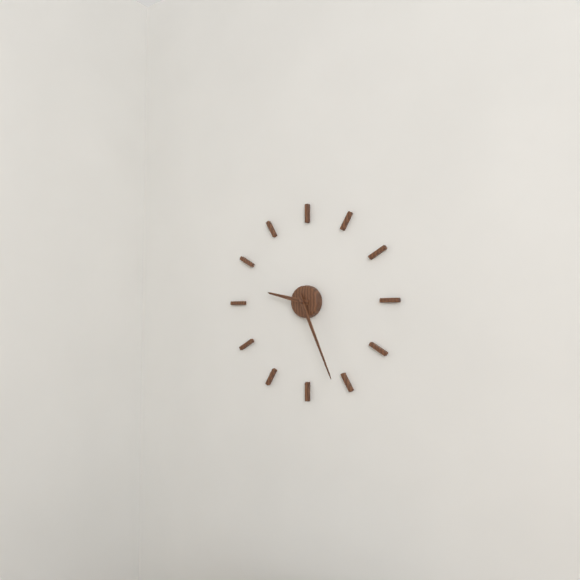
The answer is {"hour": 9, "minute": 26}
